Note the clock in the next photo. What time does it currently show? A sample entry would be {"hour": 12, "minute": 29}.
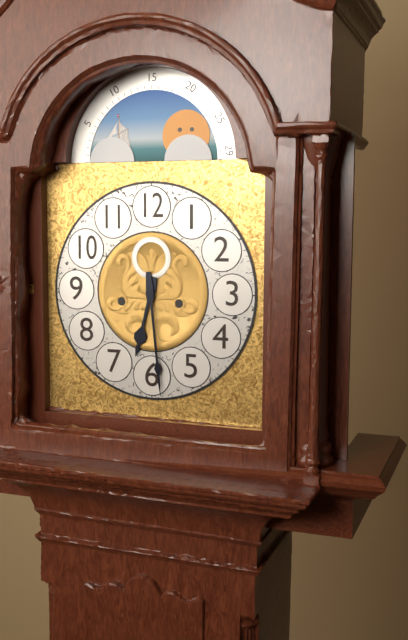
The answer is {"hour": 6, "minute": 29}
